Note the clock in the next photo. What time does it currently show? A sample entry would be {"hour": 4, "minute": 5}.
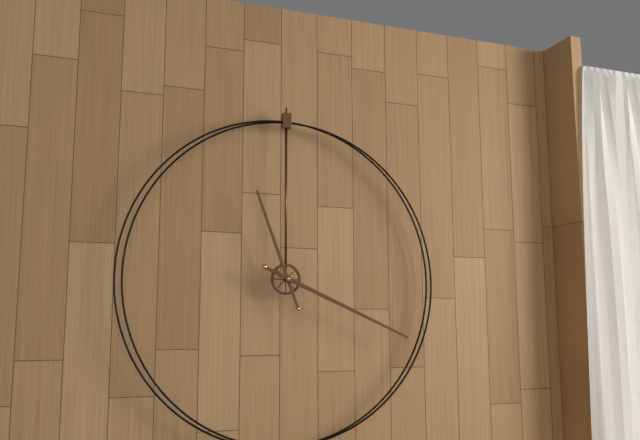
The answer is {"hour": 11, "minute": 19}
